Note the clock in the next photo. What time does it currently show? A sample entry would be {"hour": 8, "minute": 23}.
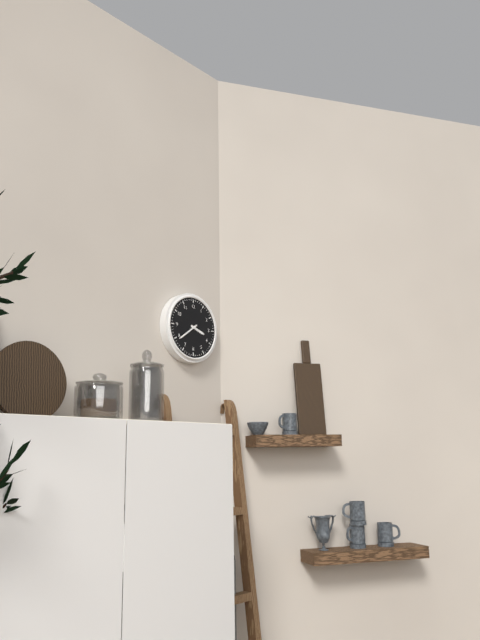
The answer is {"hour": 3, "minute": 39}
